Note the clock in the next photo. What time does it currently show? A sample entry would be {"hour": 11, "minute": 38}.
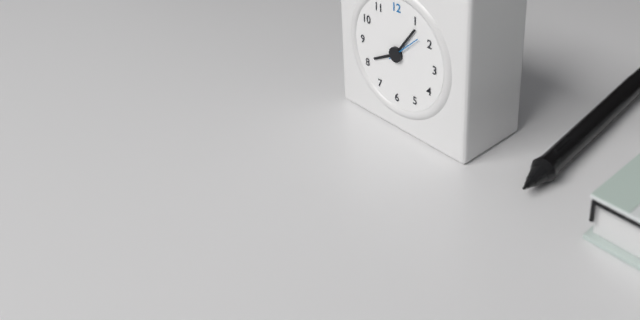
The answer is {"hour": 8, "minute": 6}
